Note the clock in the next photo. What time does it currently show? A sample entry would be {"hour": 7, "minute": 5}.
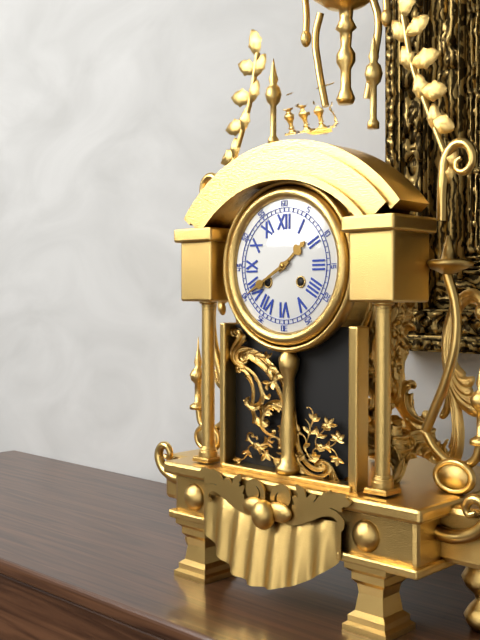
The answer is {"hour": 1, "minute": 40}
